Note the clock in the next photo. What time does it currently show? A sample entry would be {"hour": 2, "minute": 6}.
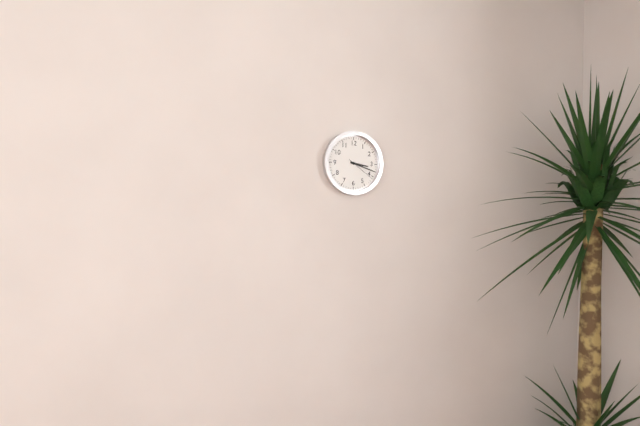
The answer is {"hour": 3, "minute": 18}
